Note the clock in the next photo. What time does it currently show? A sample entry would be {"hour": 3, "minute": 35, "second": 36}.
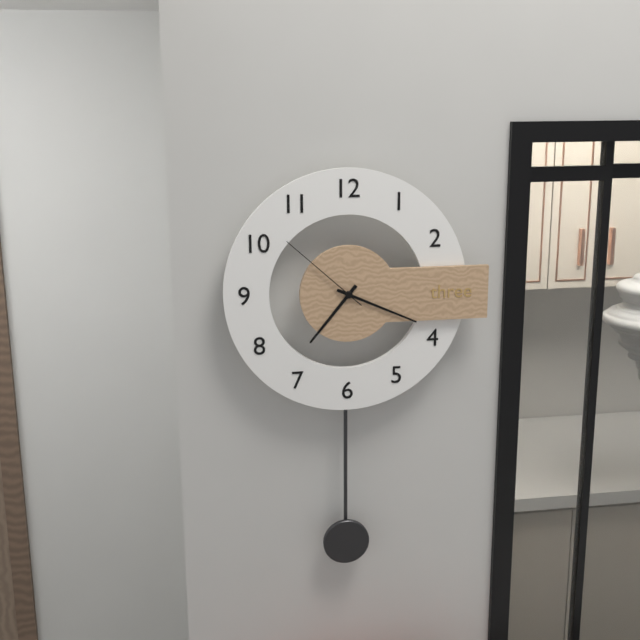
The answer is {"hour": 7, "minute": 19, "second": 52}
